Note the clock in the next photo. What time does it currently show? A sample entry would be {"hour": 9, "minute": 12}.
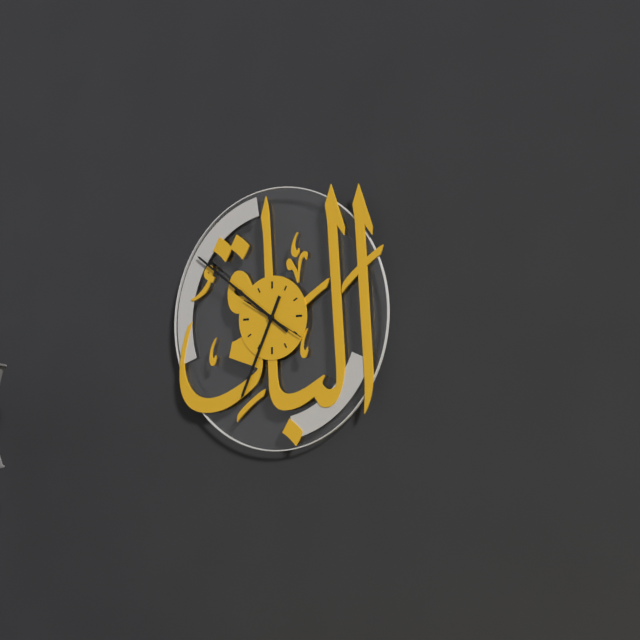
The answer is {"hour": 6, "minute": 51}
